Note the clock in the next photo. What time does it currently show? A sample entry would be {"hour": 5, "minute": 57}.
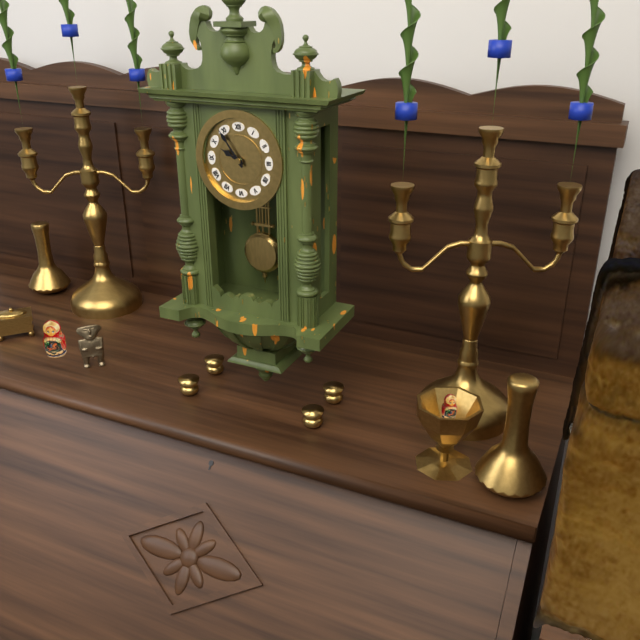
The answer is {"hour": 9, "minute": 54}
